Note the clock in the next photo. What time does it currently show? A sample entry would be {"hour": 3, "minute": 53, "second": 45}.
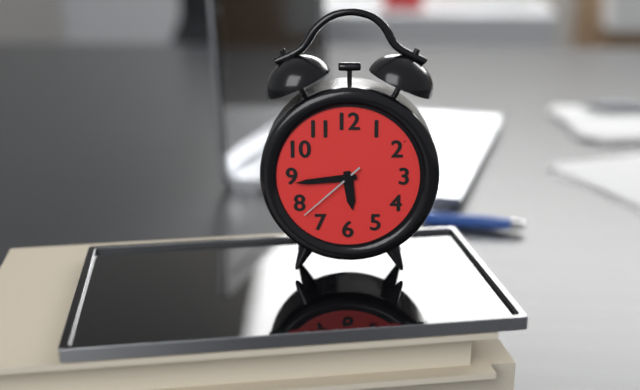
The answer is {"hour": 5, "minute": 44, "second": 38}
